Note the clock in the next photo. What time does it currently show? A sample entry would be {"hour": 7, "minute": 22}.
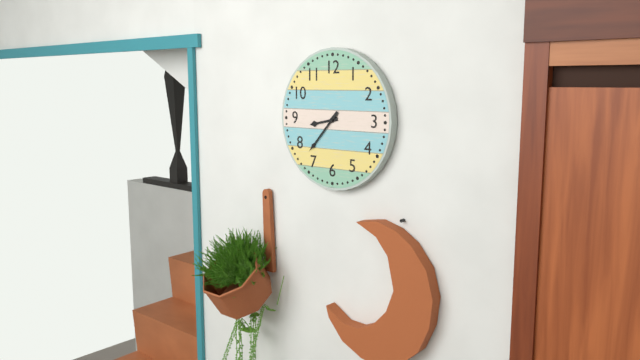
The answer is {"hour": 8, "minute": 37}
